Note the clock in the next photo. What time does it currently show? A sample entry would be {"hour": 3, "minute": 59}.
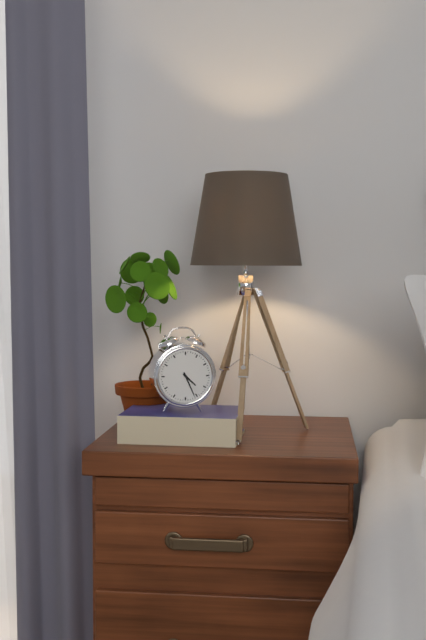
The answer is {"hour": 4, "minute": 26}
